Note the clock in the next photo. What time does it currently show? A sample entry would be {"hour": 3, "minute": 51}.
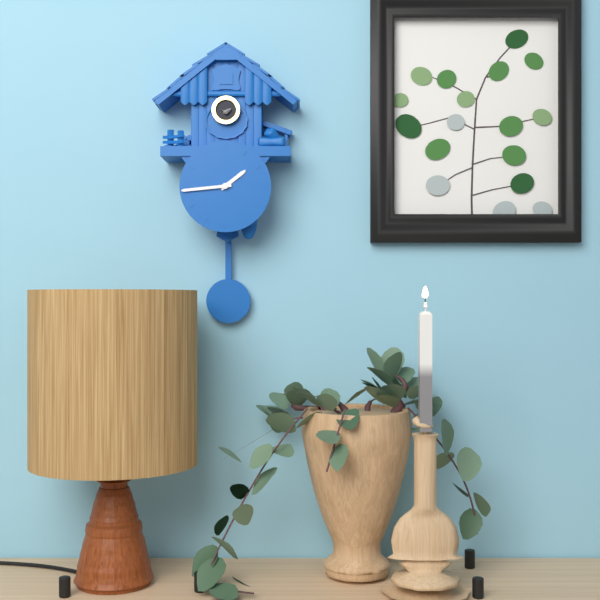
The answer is {"hour": 1, "minute": 44}
